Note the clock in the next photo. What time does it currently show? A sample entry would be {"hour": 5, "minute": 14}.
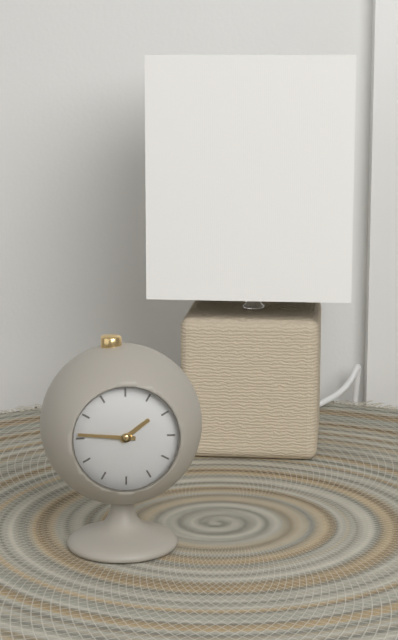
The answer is {"hour": 1, "minute": 46}
